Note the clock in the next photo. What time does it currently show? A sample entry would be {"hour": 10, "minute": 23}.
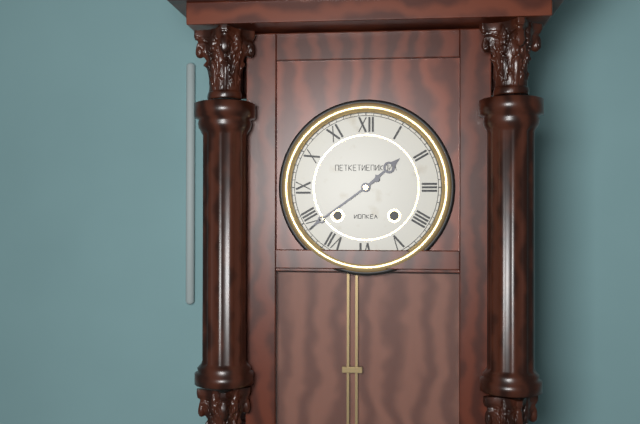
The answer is {"hour": 1, "minute": 39}
